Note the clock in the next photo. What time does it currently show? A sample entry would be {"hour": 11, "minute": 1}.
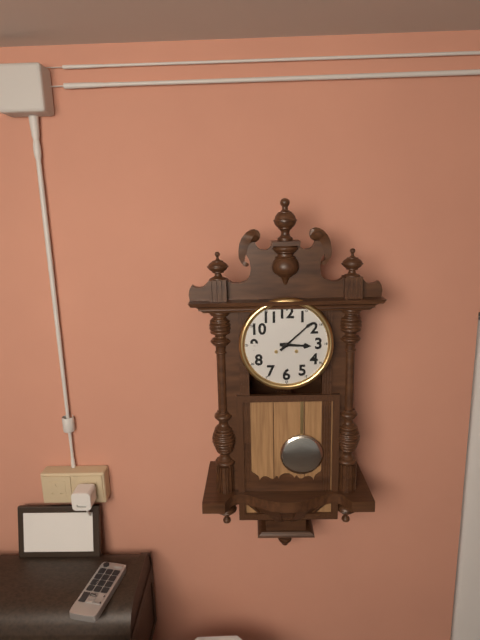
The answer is {"hour": 3, "minute": 8}
